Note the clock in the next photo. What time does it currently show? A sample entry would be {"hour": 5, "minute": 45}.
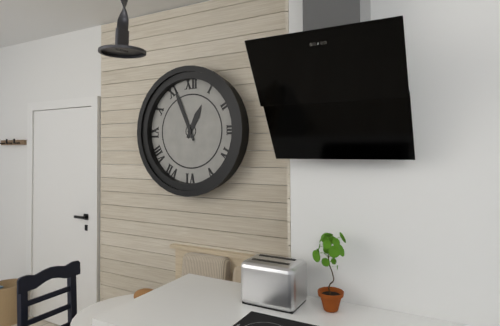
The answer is {"hour": 12, "minute": 56}
